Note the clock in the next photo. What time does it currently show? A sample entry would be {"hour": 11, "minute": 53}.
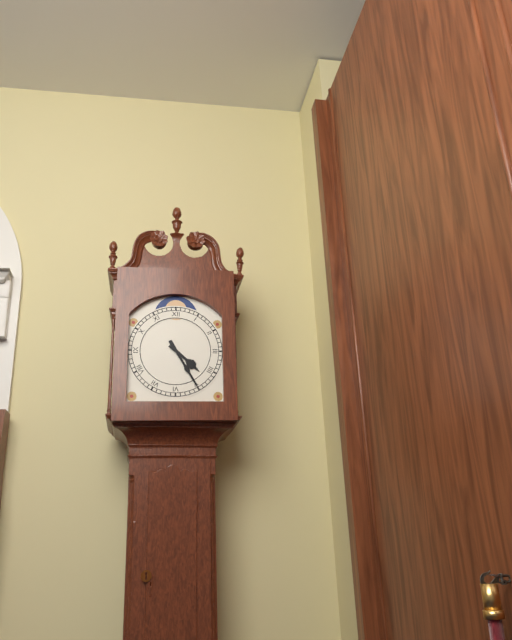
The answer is {"hour": 4, "minute": 25}
